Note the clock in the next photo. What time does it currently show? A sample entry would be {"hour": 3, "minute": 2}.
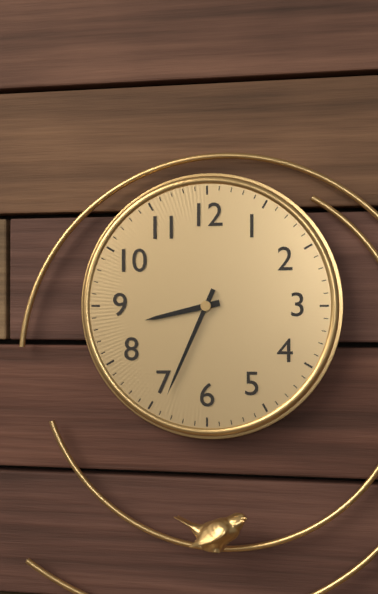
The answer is {"hour": 8, "minute": 34}
